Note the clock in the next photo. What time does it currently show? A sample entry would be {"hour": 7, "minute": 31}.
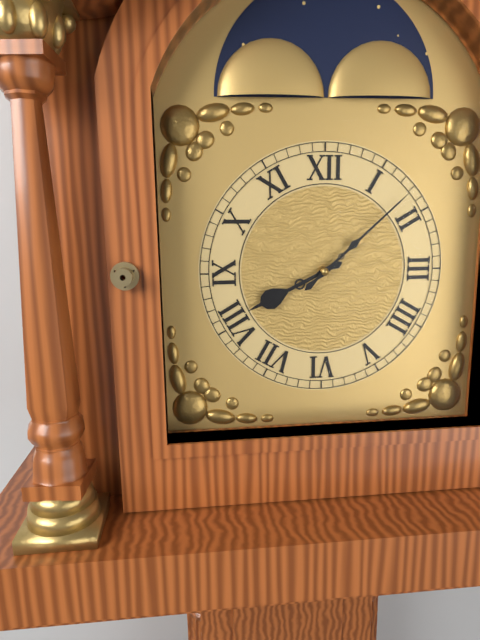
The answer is {"hour": 8, "minute": 8}
